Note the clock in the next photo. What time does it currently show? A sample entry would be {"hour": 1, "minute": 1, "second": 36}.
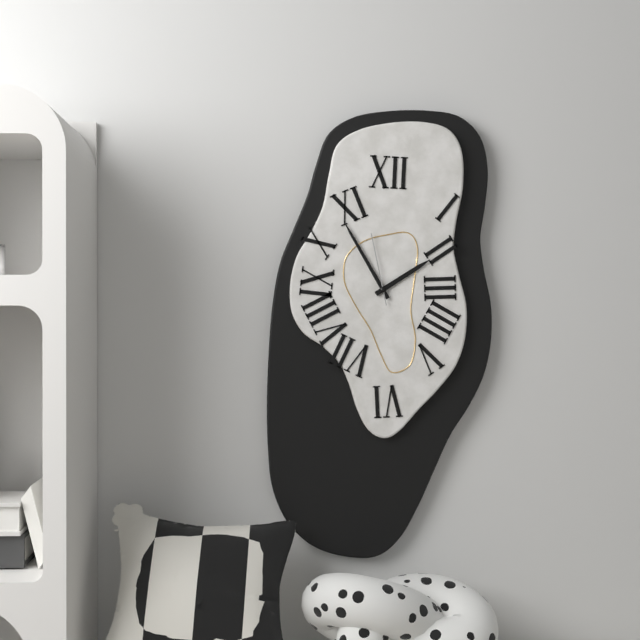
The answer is {"hour": 1, "minute": 55, "second": 58}
